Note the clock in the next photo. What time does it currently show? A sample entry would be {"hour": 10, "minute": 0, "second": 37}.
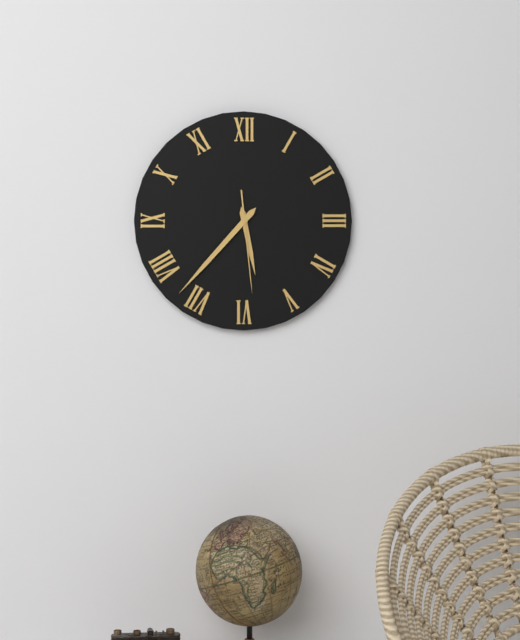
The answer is {"hour": 5, "minute": 37, "second": 29}
